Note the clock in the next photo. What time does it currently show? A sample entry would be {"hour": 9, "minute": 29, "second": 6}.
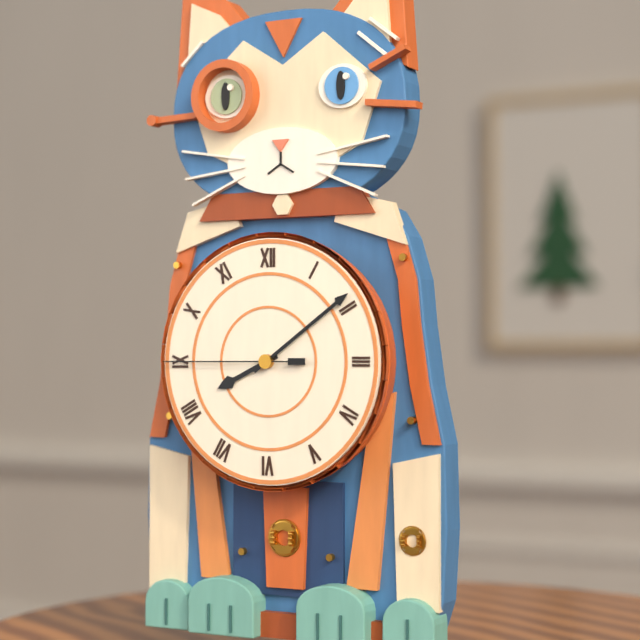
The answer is {"hour": 8, "minute": 9, "second": 45}
